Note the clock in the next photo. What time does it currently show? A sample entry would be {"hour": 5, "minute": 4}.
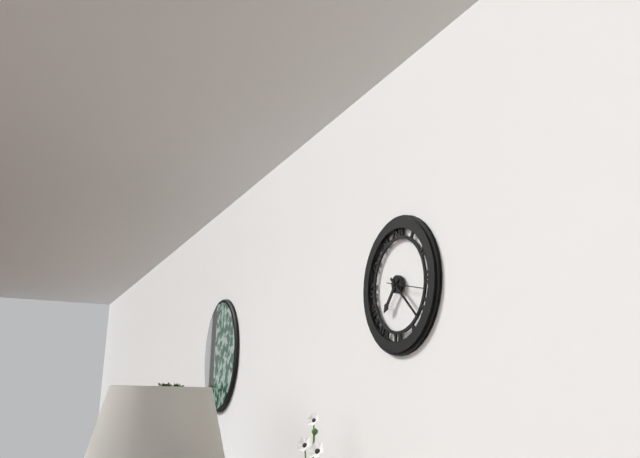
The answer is {"hour": 7, "minute": 22}
